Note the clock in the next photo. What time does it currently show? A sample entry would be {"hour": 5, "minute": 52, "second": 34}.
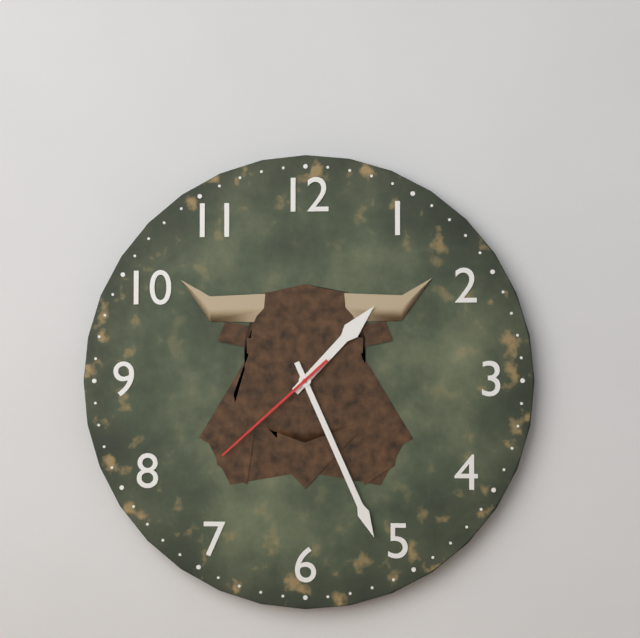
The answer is {"hour": 1, "minute": 26, "second": 38}
